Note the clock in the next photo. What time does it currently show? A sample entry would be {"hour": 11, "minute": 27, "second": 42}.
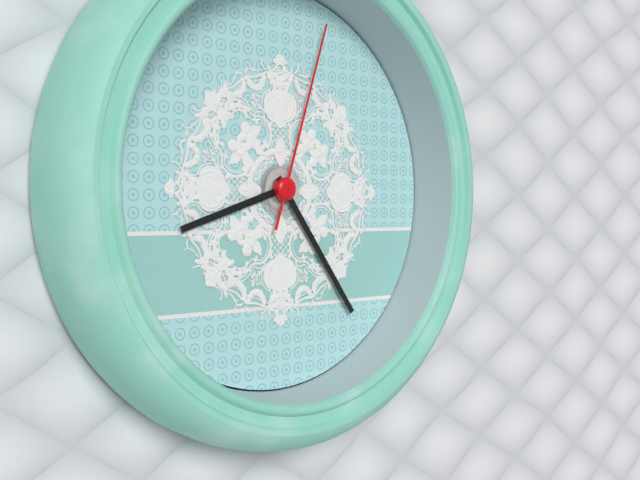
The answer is {"hour": 8, "minute": 24, "second": 3}
